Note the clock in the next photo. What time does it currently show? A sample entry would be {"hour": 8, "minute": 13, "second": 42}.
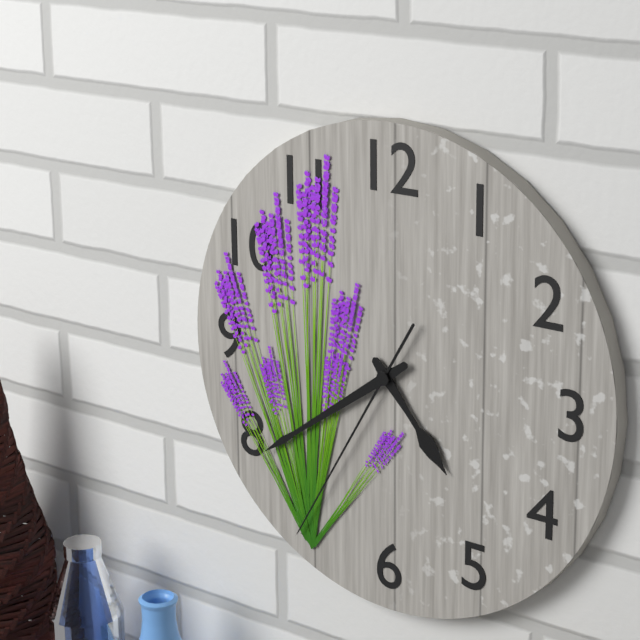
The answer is {"hour": 4, "minute": 39, "second": 35}
